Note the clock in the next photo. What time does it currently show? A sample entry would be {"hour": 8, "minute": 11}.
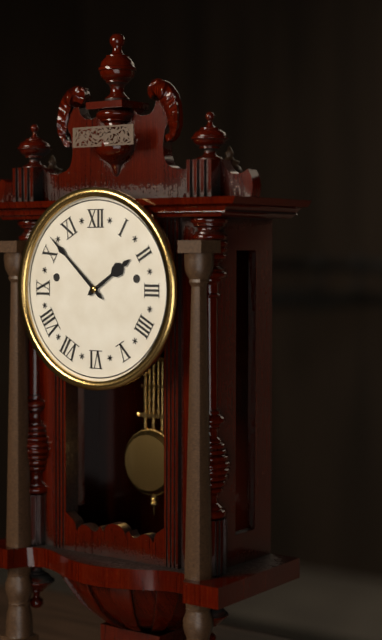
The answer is {"hour": 1, "minute": 52}
